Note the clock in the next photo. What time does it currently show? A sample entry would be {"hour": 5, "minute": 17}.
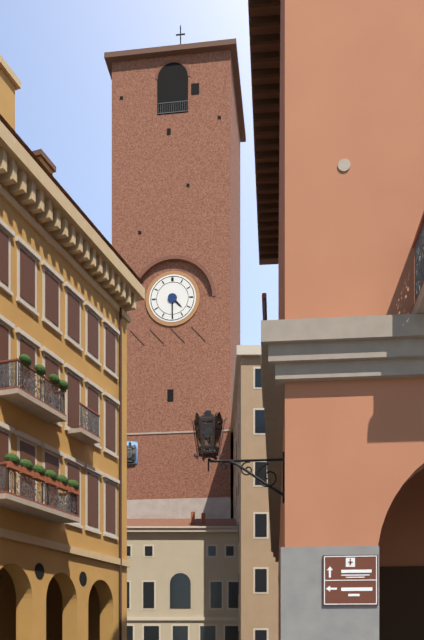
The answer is {"hour": 4, "minute": 30}
